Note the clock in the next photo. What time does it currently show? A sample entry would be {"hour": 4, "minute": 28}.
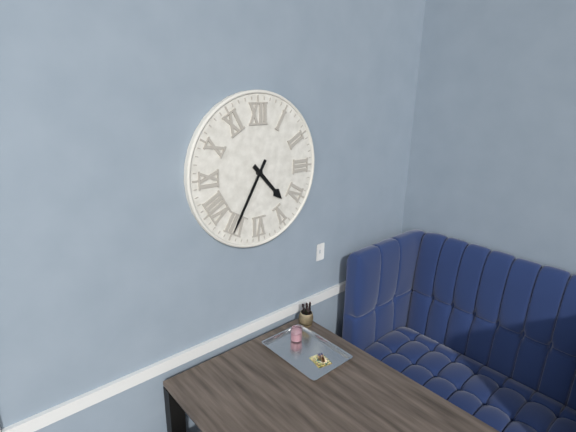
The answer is {"hour": 4, "minute": 35}
